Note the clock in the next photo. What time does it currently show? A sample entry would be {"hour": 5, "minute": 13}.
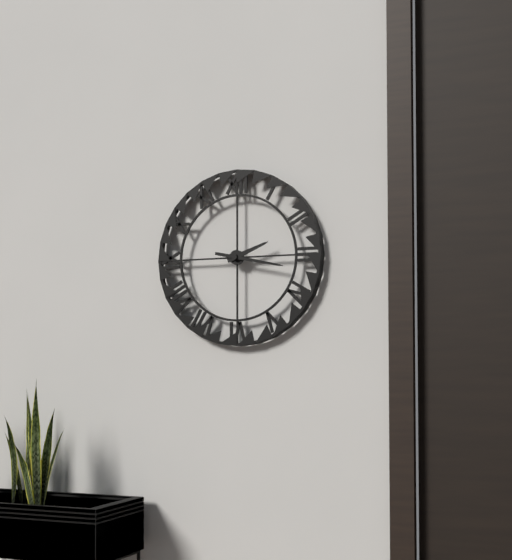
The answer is {"hour": 2, "minute": 17}
